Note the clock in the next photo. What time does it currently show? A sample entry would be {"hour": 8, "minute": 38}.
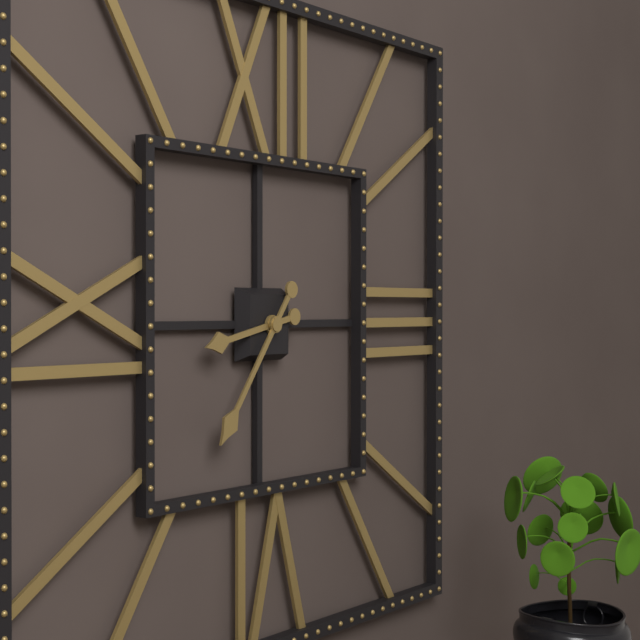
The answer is {"hour": 8, "minute": 36}
